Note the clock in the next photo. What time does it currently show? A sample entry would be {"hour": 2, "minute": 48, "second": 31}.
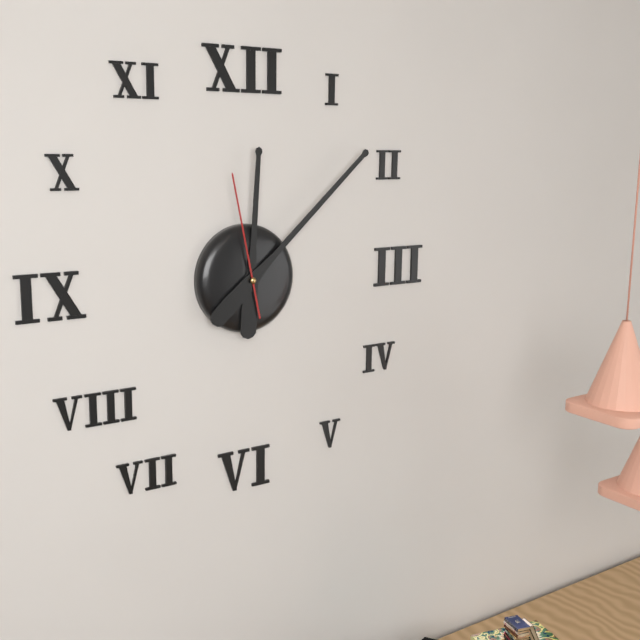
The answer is {"hour": 12, "minute": 8, "second": 58}
